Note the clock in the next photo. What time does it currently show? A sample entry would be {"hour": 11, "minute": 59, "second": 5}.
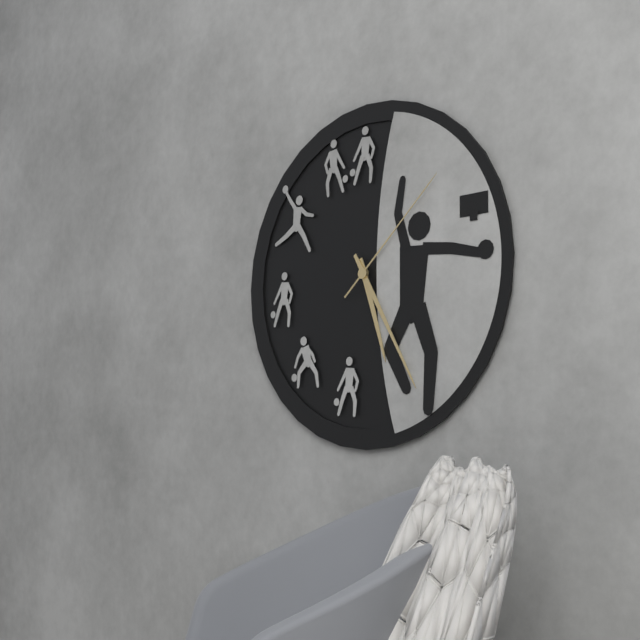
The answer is {"hour": 5, "minute": 25, "second": 8}
